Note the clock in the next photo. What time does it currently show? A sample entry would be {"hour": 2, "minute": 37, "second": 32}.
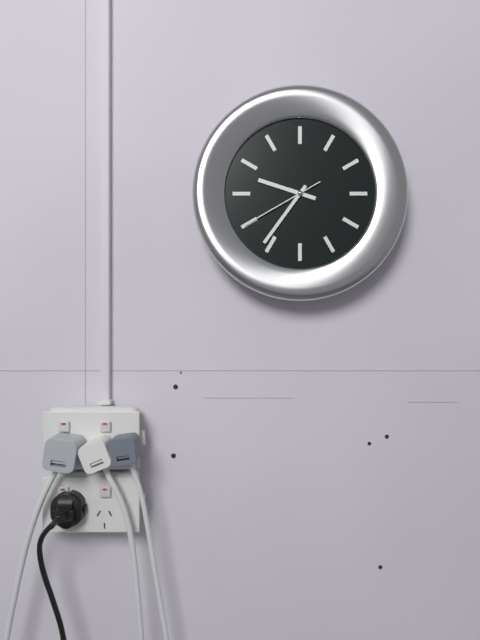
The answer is {"hour": 9, "minute": 36, "second": 40}
